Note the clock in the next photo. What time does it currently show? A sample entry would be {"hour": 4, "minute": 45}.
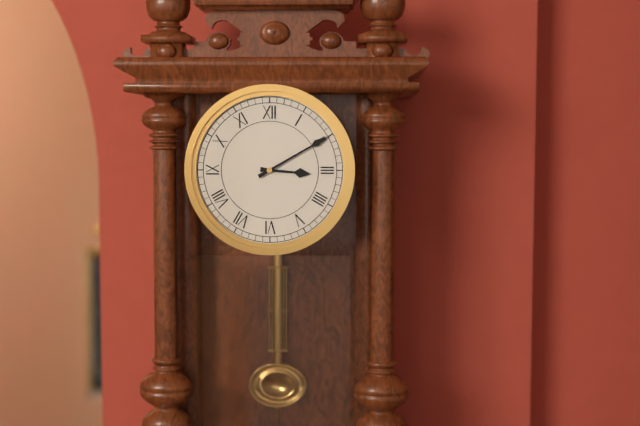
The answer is {"hour": 3, "minute": 10}
